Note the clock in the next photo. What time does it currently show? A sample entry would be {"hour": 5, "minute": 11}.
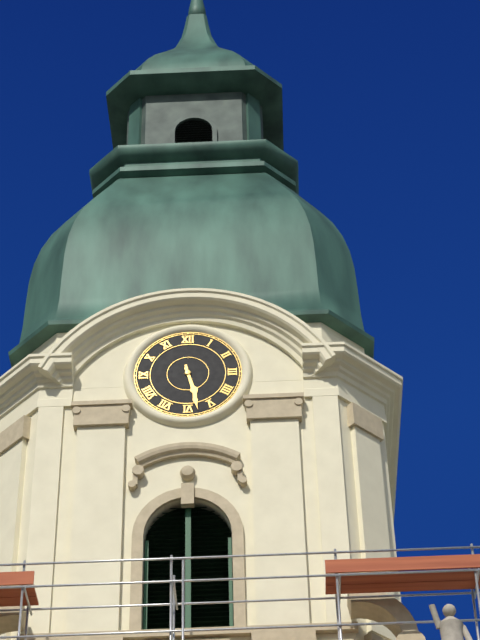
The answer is {"hour": 5, "minute": 28}
